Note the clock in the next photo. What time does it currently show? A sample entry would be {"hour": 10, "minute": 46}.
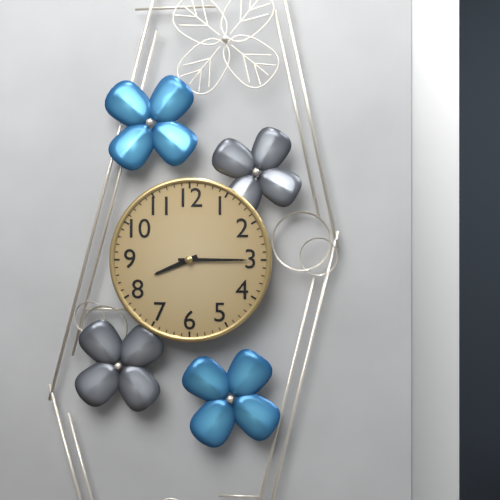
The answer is {"hour": 8, "minute": 15}
